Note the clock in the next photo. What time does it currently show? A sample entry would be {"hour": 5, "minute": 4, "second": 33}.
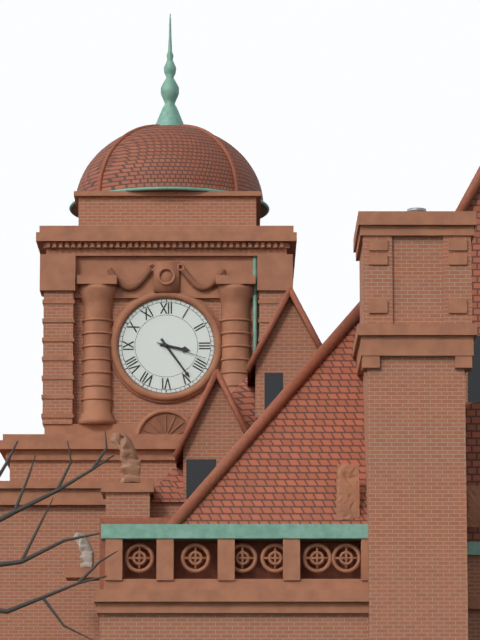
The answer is {"hour": 3, "minute": 24, "second": 18}
